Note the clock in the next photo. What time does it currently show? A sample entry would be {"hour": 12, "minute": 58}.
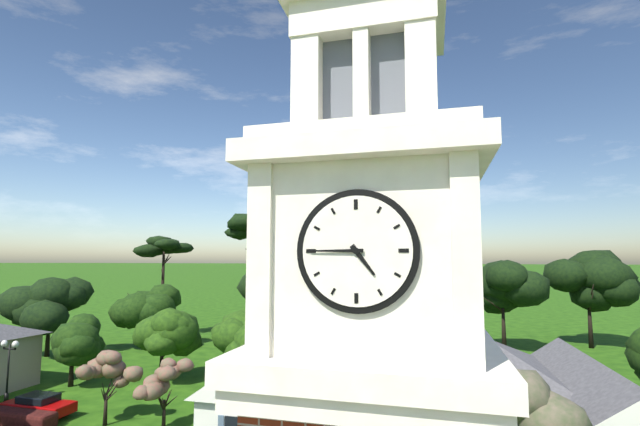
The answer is {"hour": 4, "minute": 45}
